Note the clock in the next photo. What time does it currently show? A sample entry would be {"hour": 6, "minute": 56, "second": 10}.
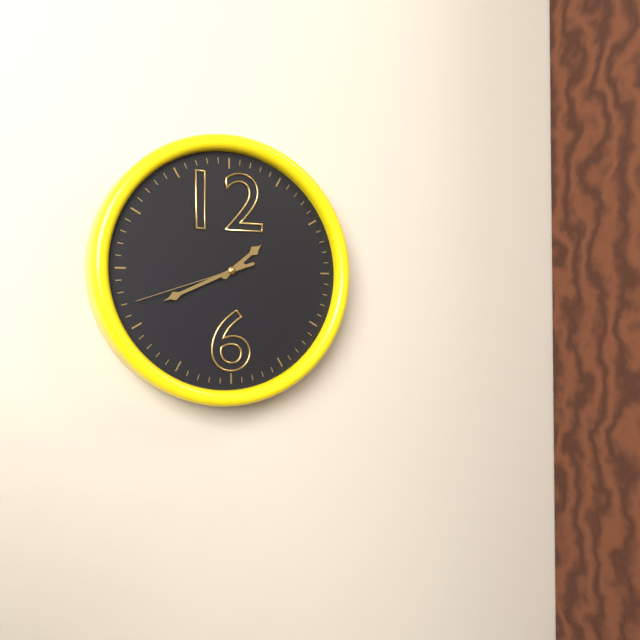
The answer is {"hour": 1, "minute": 41, "second": 42}
